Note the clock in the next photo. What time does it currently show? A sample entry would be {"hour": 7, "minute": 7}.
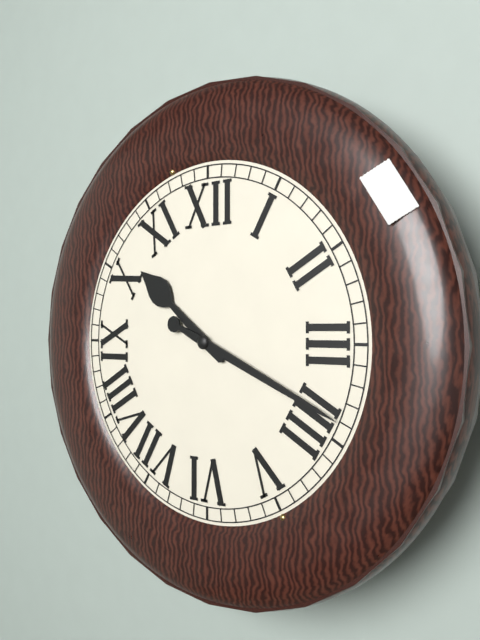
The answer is {"hour": 10, "minute": 19}
